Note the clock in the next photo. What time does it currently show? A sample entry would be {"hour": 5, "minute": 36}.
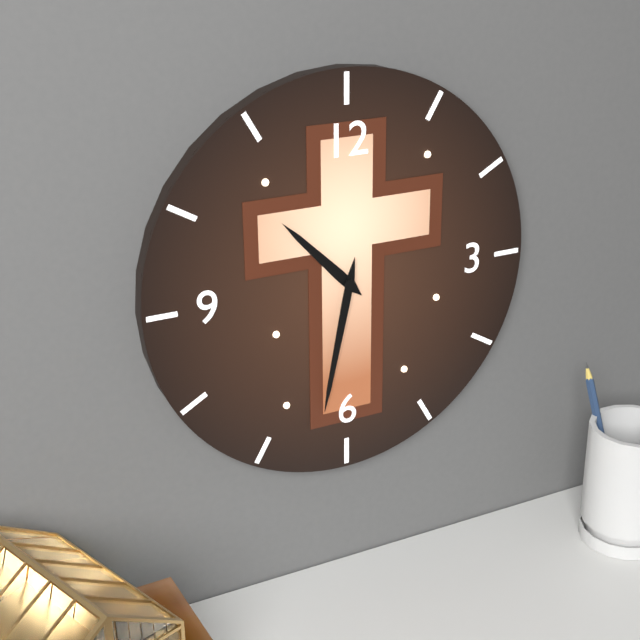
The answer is {"hour": 10, "minute": 32}
